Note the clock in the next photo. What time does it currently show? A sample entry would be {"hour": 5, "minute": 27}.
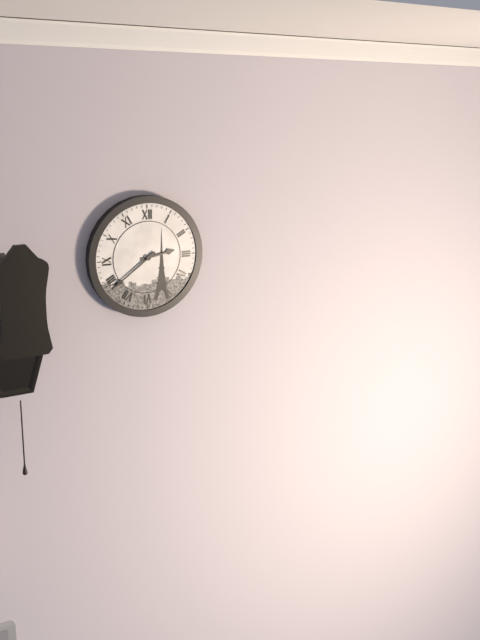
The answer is {"hour": 2, "minute": 39}
